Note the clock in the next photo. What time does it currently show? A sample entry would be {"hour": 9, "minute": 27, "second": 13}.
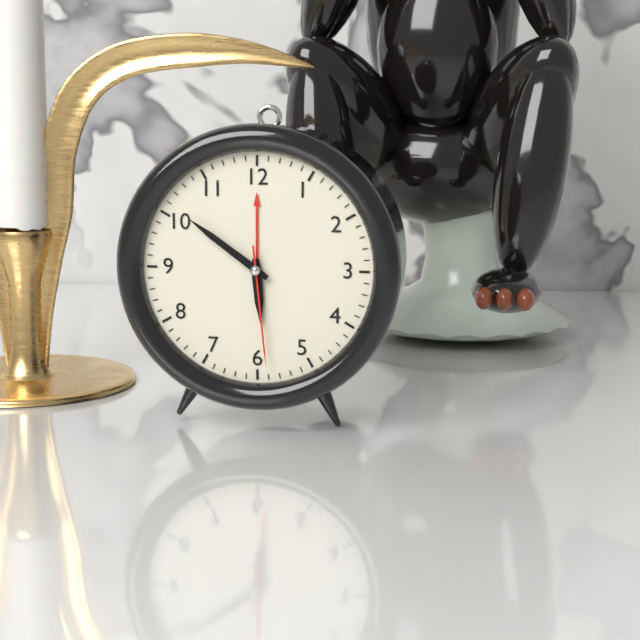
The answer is {"hour": 5, "minute": 51, "second": 29}
